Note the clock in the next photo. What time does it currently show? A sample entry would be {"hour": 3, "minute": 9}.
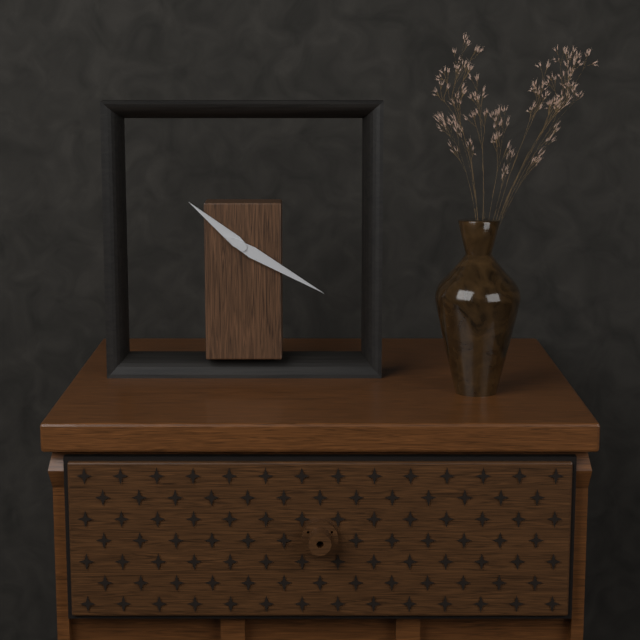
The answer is {"hour": 10, "minute": 20}
